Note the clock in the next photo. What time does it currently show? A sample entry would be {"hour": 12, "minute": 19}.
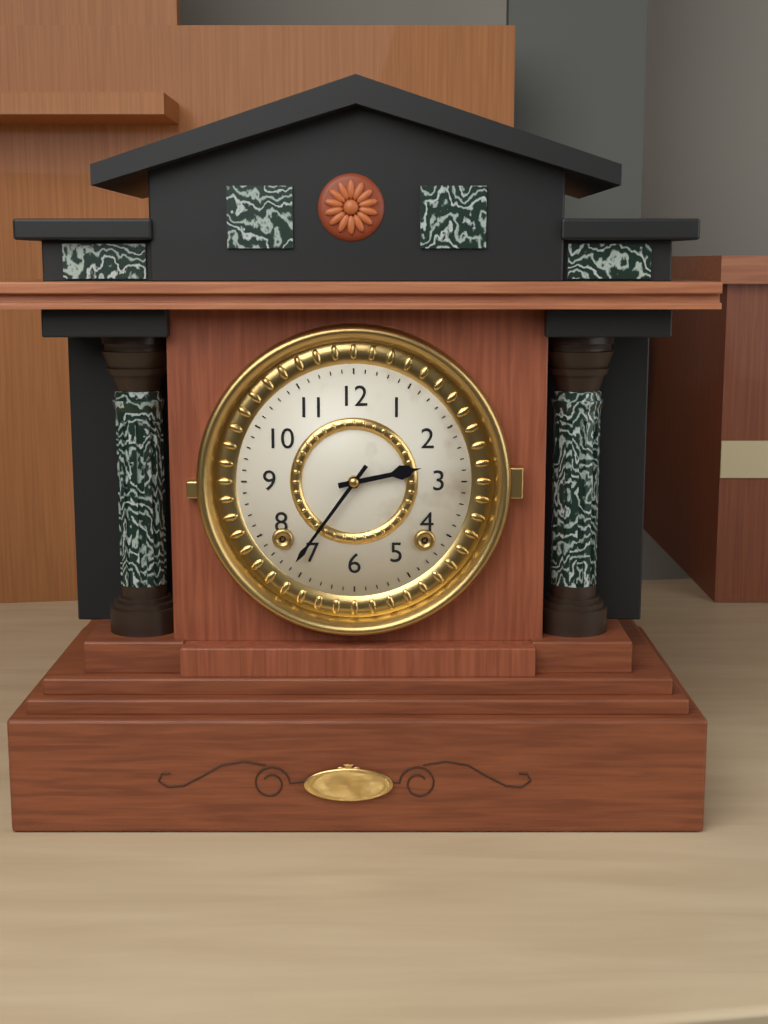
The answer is {"hour": 2, "minute": 36}
